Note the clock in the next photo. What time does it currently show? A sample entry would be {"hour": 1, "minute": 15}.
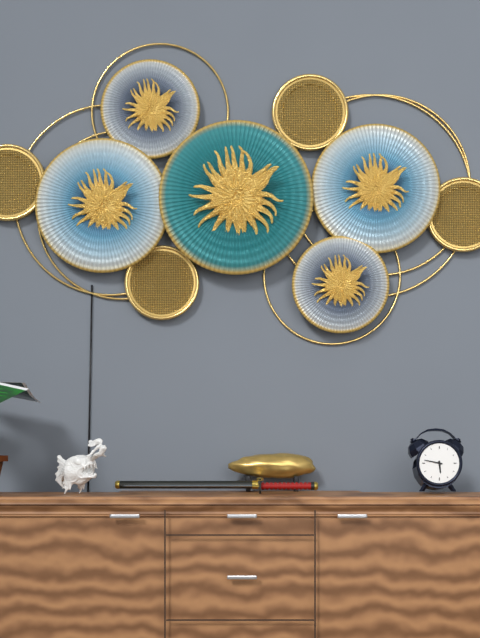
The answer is {"hour": 5, "minute": 47}
